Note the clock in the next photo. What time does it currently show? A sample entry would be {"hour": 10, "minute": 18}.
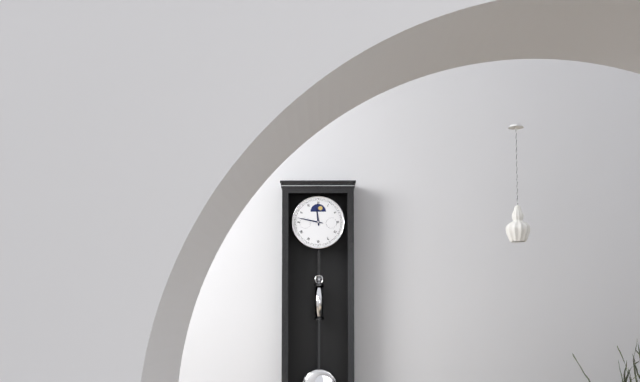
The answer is {"hour": 11, "minute": 47}
